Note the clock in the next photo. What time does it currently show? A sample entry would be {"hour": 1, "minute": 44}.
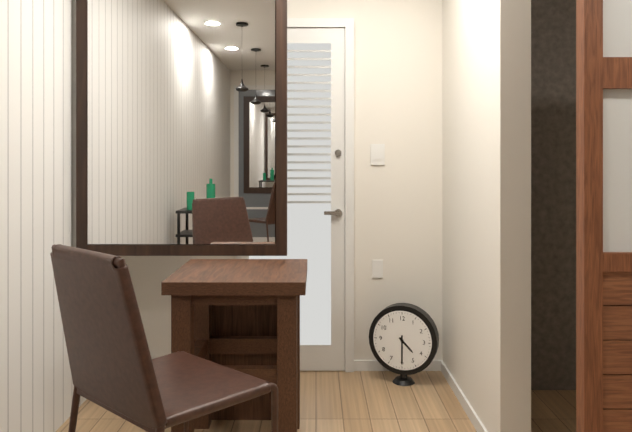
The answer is {"hour": 4, "minute": 30}
